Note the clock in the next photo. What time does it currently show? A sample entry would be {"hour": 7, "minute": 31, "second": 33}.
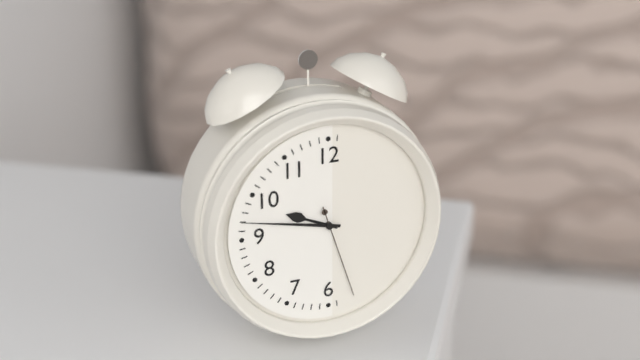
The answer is {"hour": 9, "minute": 47, "second": 27}
